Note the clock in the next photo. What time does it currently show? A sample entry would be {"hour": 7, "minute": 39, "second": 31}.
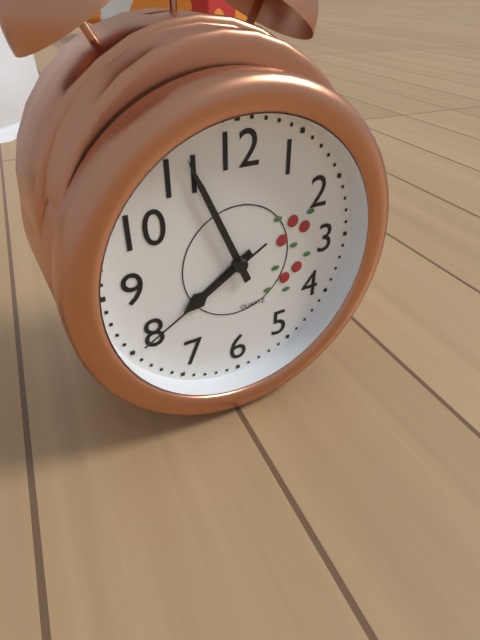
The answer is {"hour": 7, "minute": 56, "second": 40}
